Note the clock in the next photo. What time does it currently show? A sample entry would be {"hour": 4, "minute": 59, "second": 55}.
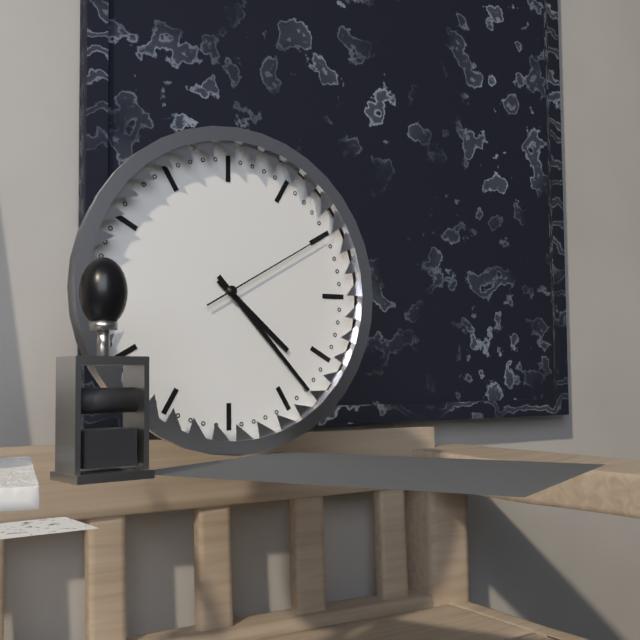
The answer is {"hour": 4, "minute": 23, "second": 10}
